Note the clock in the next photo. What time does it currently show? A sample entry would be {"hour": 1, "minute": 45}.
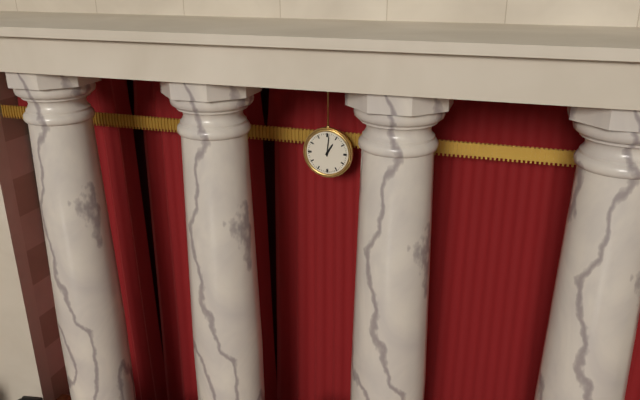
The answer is {"hour": 1, "minute": 1}
